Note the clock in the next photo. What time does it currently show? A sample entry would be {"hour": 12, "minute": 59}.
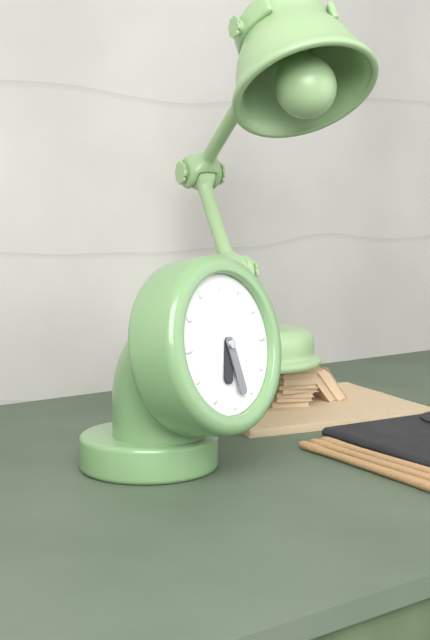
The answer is {"hour": 6, "minute": 28}
